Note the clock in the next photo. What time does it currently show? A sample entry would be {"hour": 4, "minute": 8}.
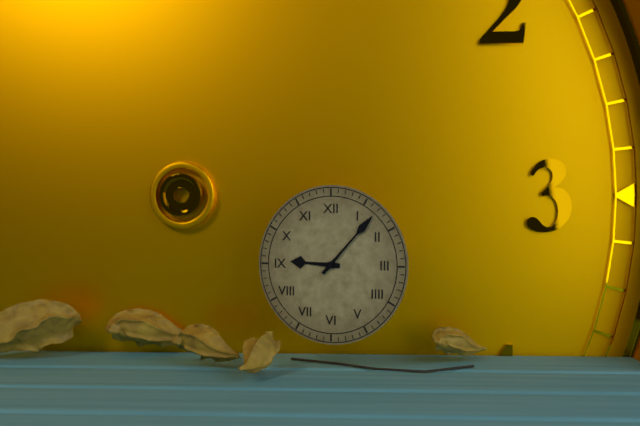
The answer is {"hour": 9, "minute": 7}
